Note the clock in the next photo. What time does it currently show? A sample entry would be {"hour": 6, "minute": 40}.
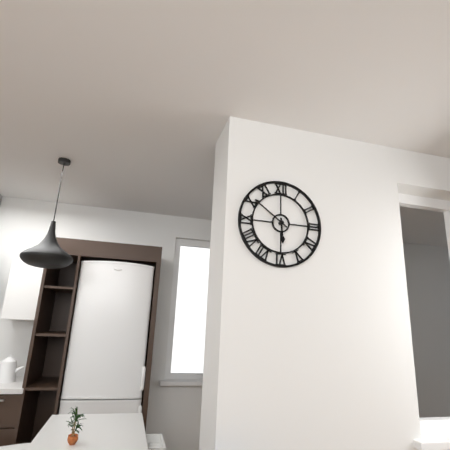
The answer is {"hour": 5, "minute": 51}
